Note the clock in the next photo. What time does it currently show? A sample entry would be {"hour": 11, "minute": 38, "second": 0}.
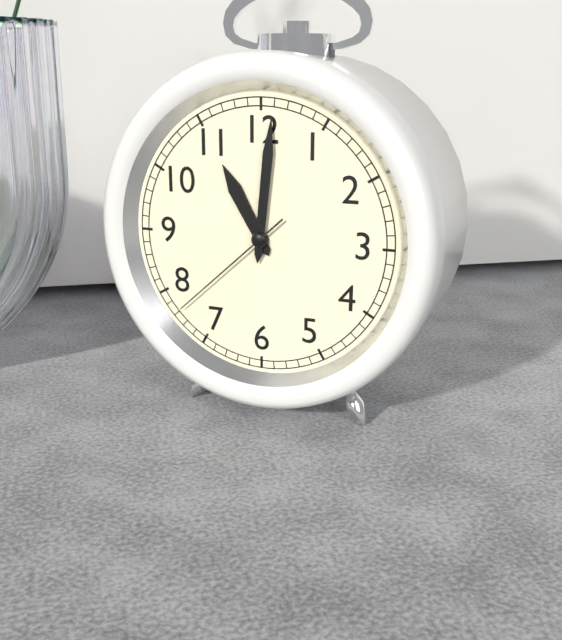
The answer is {"hour": 11, "minute": 1, "second": 38}
